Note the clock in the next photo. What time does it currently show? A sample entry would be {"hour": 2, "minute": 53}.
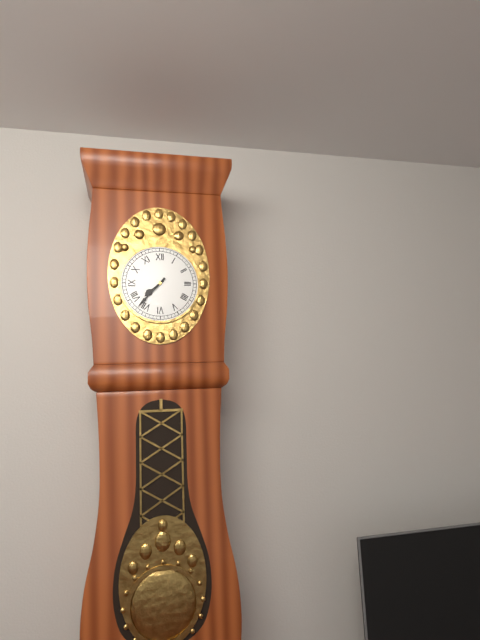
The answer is {"hour": 7, "minute": 37}
